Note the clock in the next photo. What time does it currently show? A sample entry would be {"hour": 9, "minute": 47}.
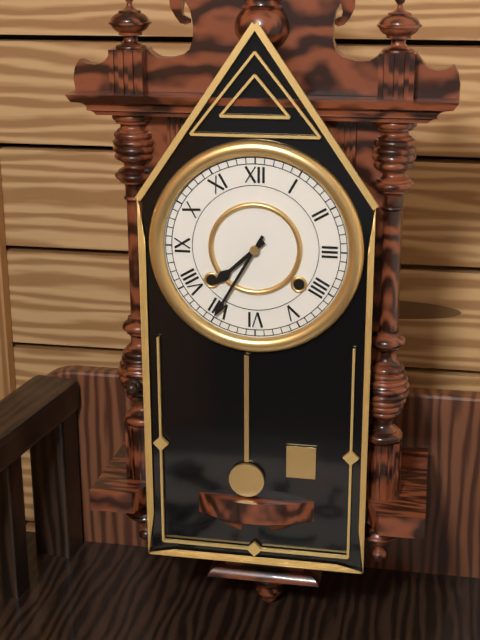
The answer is {"hour": 7, "minute": 35}
